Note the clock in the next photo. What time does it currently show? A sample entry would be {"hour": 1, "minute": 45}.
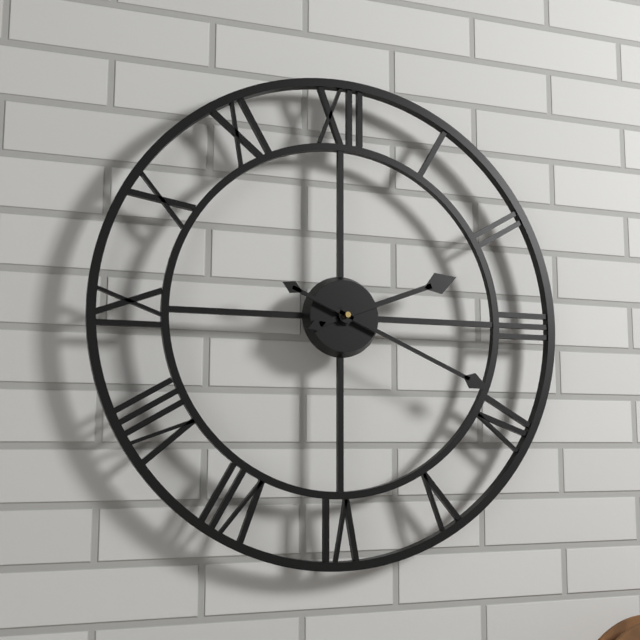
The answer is {"hour": 2, "minute": 19}
